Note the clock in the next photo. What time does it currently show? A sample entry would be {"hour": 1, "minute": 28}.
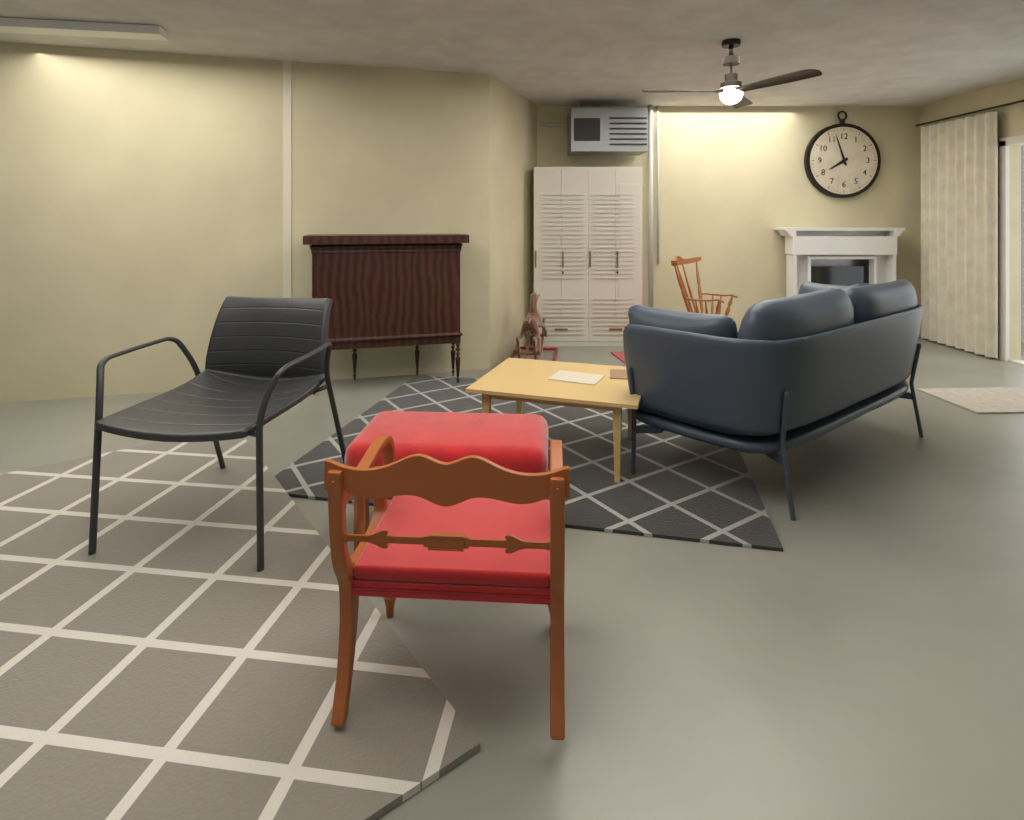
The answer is {"hour": 7, "minute": 57}
